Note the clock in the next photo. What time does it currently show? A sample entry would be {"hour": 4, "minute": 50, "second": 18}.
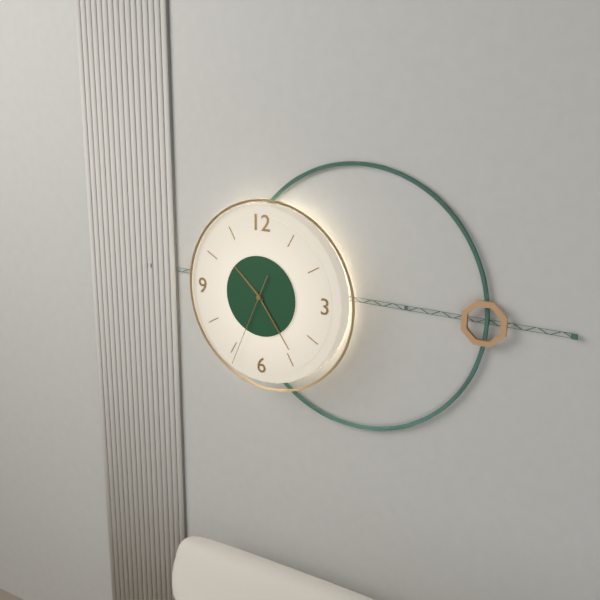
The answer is {"hour": 10, "minute": 24, "second": 34}
